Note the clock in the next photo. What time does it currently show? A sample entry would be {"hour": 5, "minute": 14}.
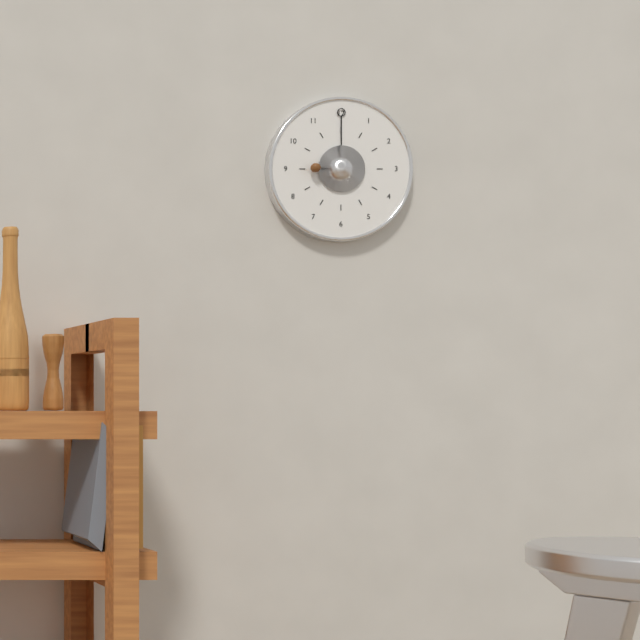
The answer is {"hour": 9, "minute": 0}
